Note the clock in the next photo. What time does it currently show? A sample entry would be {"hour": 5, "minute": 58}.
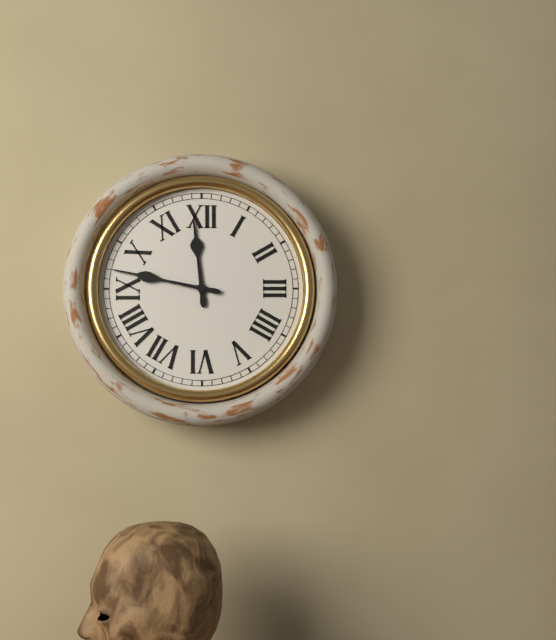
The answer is {"hour": 11, "minute": 47}
